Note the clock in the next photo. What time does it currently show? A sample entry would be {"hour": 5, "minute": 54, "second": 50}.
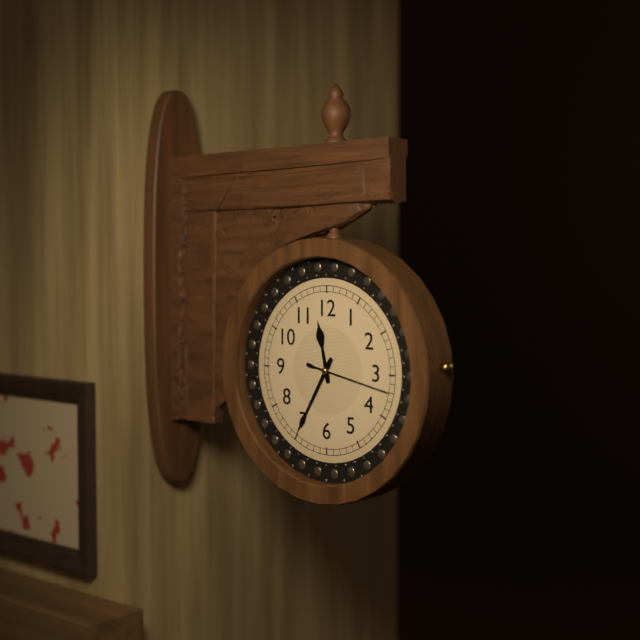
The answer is {"hour": 11, "minute": 35, "second": 17}
